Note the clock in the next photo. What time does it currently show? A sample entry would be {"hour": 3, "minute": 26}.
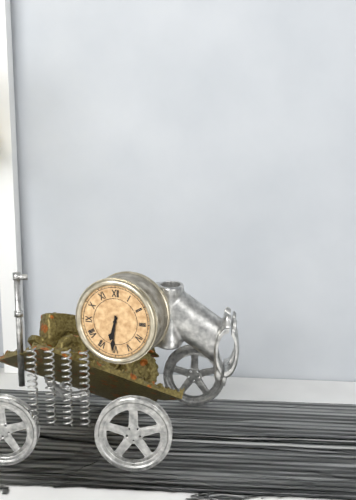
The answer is {"hour": 6, "minute": 31}
